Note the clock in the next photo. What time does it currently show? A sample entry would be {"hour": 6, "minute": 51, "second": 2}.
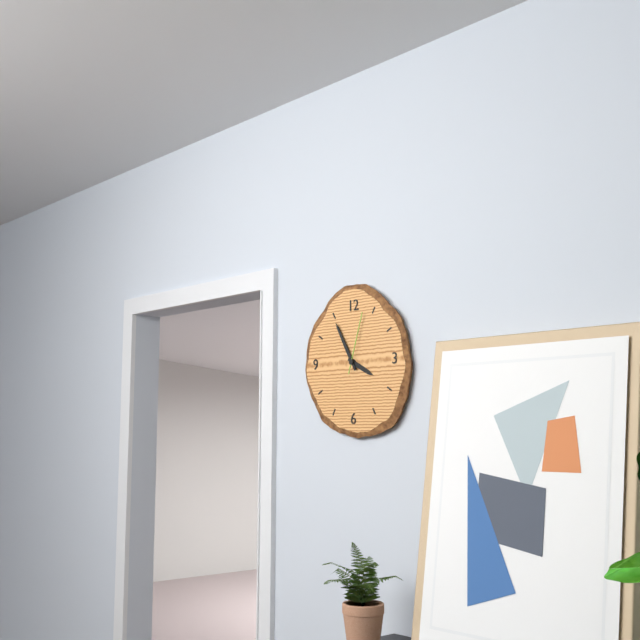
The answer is {"hour": 3, "minute": 55, "second": 3}
